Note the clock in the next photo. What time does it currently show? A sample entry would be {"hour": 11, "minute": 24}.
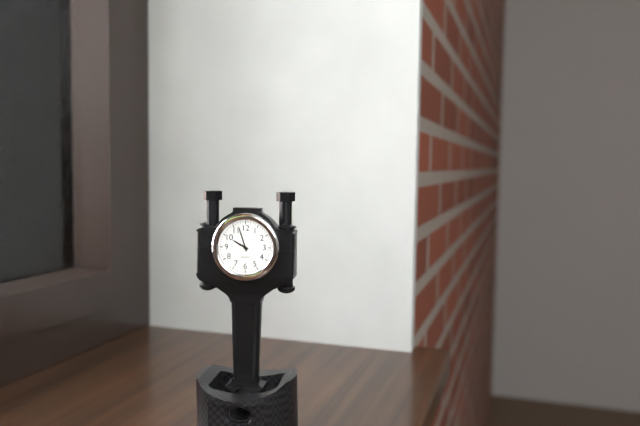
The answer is {"hour": 9, "minute": 57}
